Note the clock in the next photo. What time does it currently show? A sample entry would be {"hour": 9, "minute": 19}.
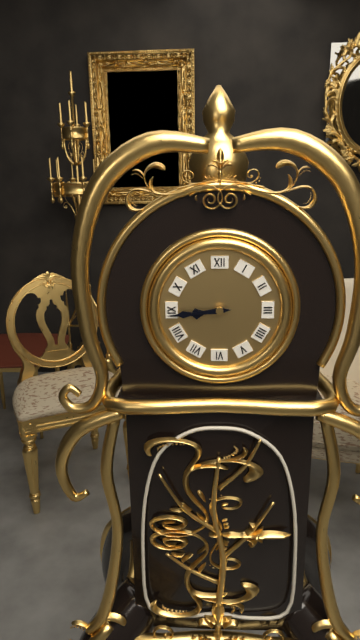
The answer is {"hour": 8, "minute": 44}
